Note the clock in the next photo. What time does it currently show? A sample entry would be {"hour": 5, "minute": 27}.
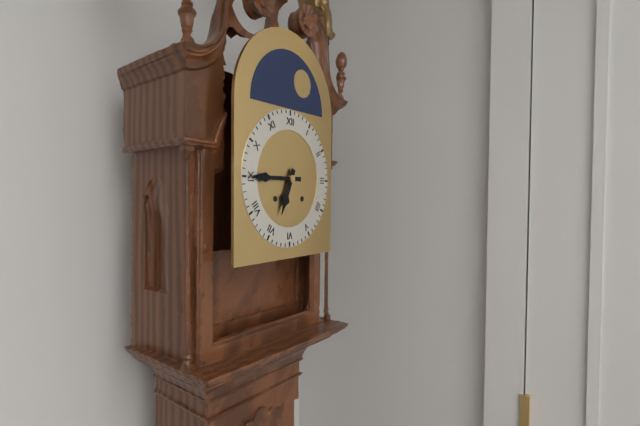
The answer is {"hour": 6, "minute": 45}
